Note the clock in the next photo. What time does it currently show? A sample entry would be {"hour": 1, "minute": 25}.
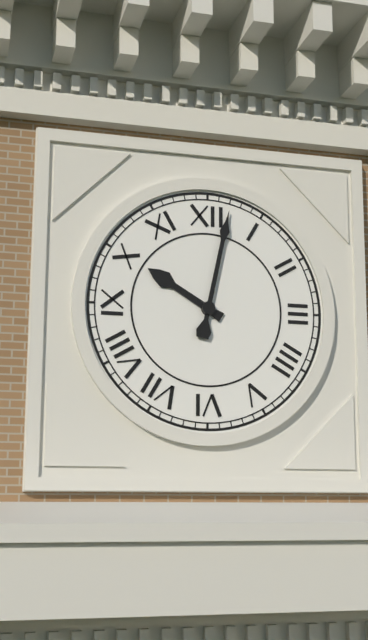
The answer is {"hour": 10, "minute": 2}
